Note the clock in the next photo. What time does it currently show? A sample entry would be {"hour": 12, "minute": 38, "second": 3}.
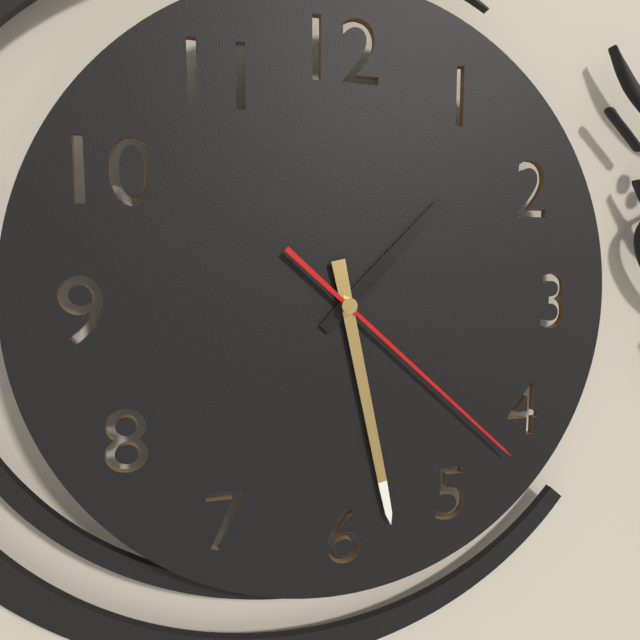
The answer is {"hour": 1, "minute": 28, "second": 22}
